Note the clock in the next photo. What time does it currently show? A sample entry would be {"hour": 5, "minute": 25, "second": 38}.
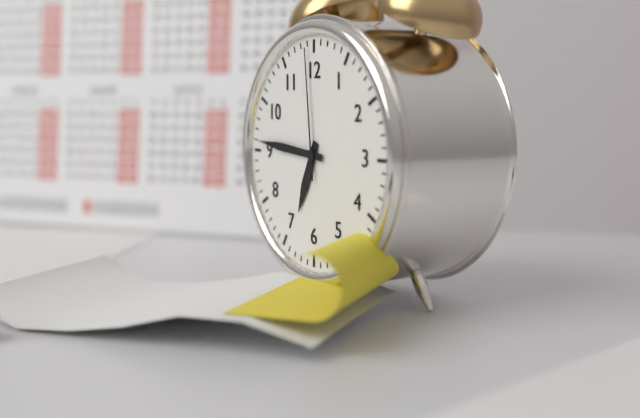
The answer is {"hour": 6, "minute": 46, "second": 59}
